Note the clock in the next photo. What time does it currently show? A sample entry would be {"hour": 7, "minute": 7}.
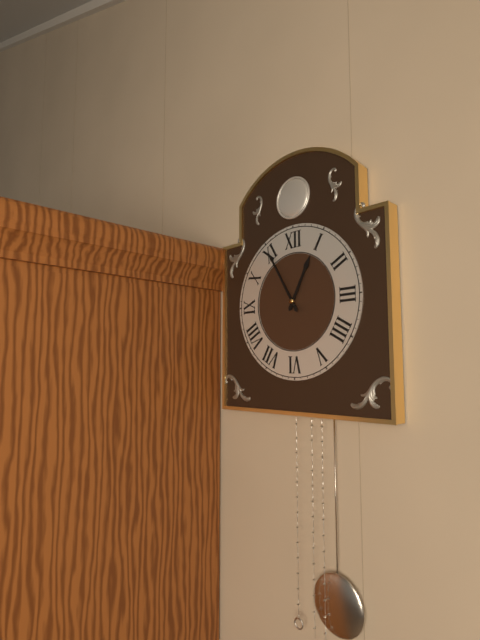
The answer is {"hour": 12, "minute": 55}
